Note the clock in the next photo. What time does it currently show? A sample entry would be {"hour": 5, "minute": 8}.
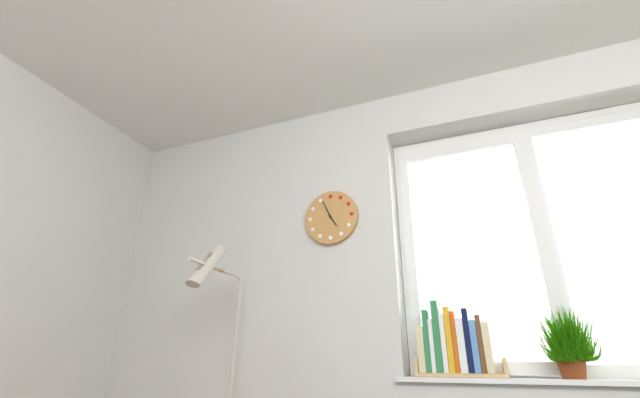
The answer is {"hour": 4, "minute": 56}
